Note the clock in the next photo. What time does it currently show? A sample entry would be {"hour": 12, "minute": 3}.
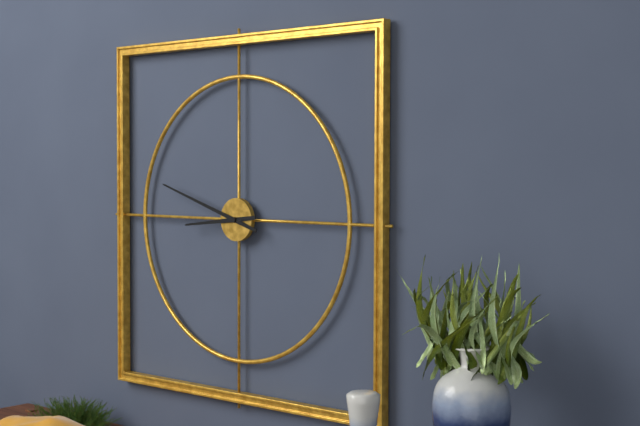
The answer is {"hour": 8, "minute": 48}
